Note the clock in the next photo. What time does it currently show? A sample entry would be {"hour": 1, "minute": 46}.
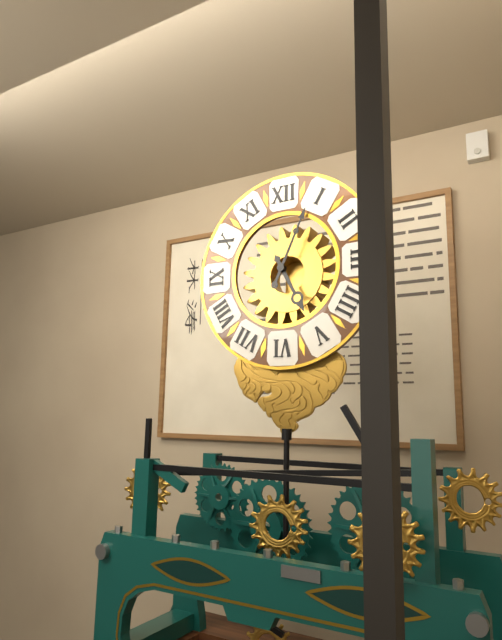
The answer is {"hour": 5, "minute": 4}
